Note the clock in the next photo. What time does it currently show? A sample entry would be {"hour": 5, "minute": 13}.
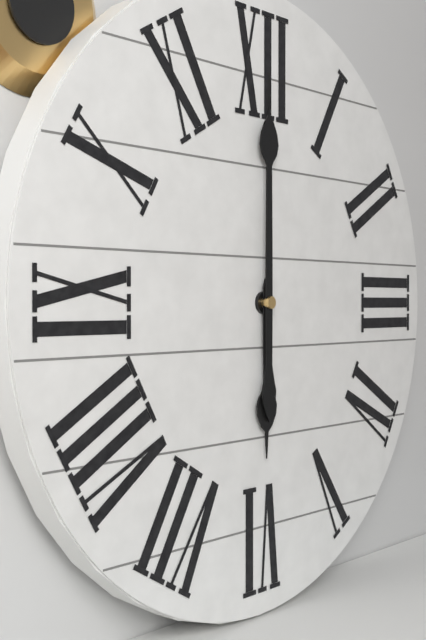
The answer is {"hour": 6, "minute": 0}
